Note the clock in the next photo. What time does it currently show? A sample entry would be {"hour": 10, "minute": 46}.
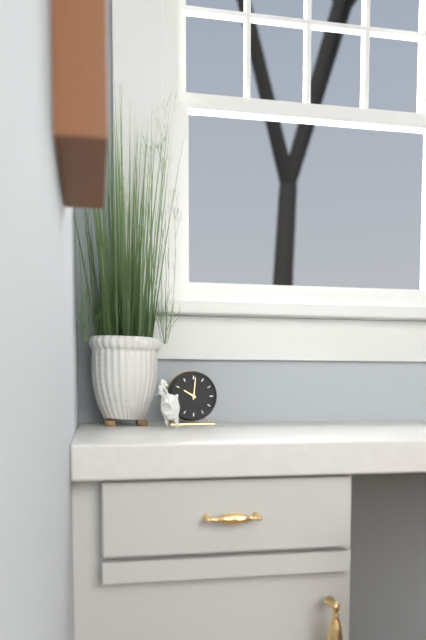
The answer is {"hour": 10, "minute": 1}
